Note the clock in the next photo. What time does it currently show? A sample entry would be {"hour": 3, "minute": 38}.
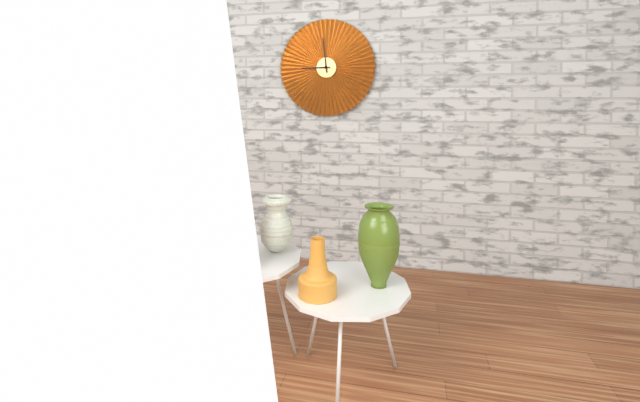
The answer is {"hour": 8, "minute": 59}
